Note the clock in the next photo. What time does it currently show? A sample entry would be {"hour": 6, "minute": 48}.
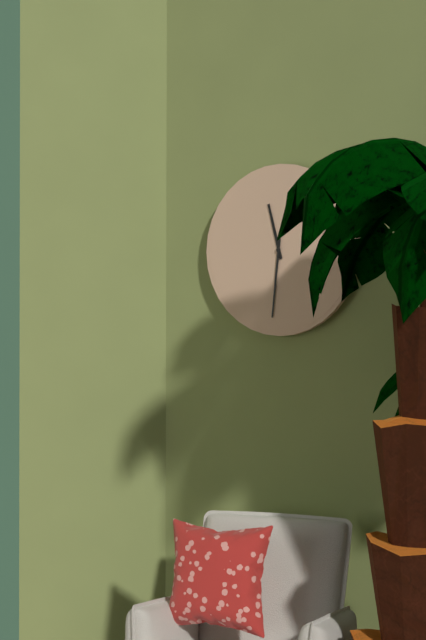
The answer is {"hour": 11, "minute": 31}
